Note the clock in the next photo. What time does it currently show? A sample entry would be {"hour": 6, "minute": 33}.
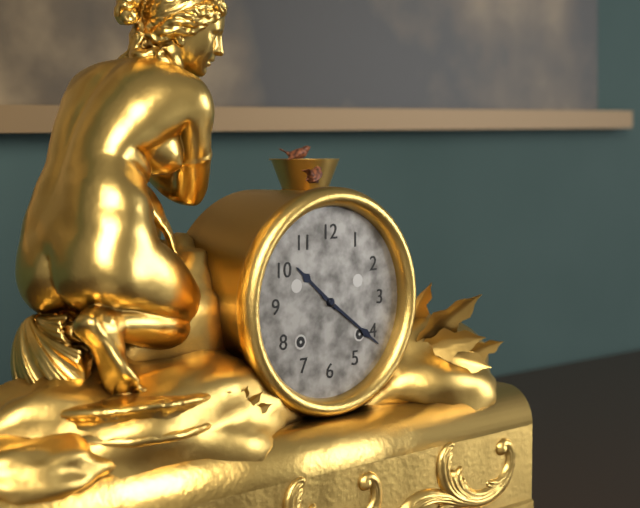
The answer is {"hour": 10, "minute": 21}
